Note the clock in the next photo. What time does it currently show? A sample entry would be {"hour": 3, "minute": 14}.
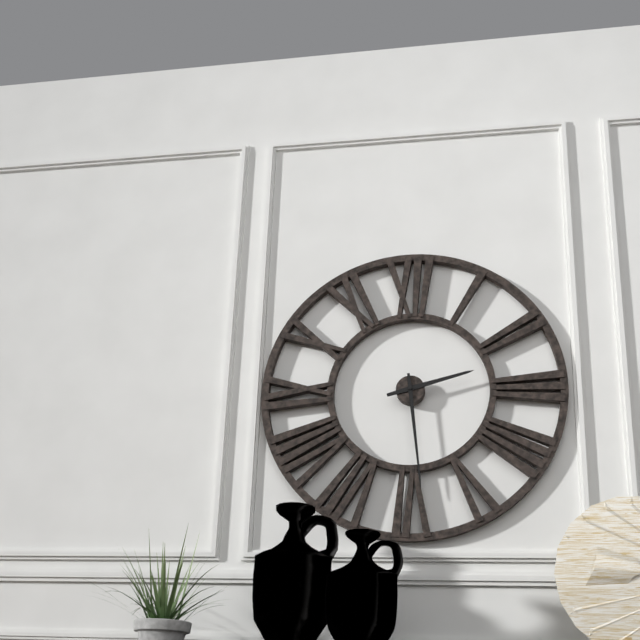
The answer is {"hour": 2, "minute": 29}
